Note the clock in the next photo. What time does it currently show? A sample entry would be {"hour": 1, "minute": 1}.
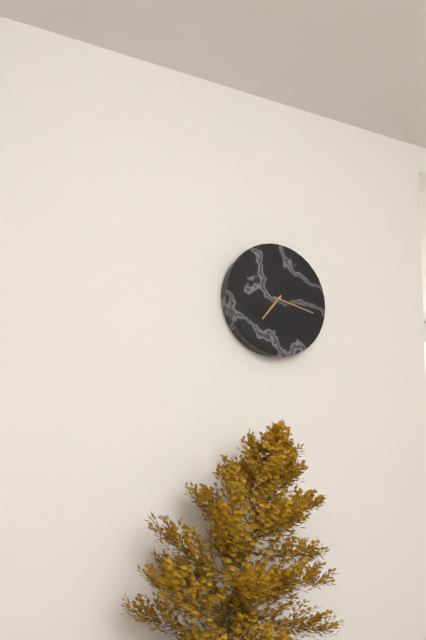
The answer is {"hour": 7, "minute": 17}
